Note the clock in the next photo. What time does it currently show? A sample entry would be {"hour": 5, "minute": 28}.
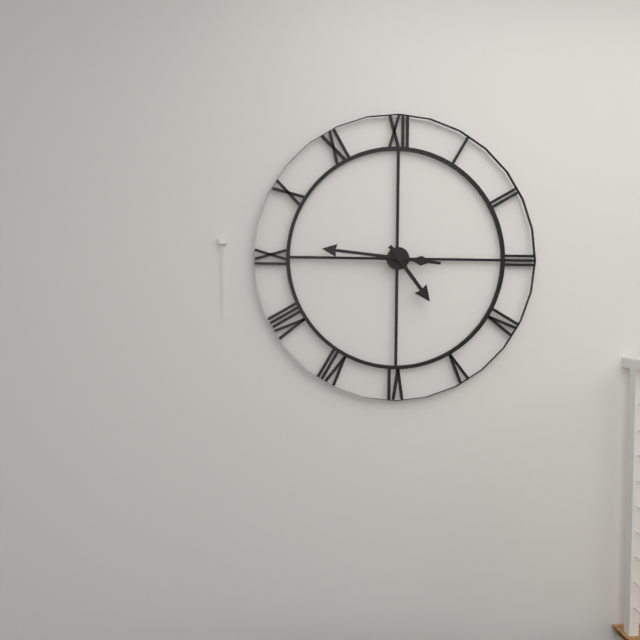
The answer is {"hour": 4, "minute": 46}
